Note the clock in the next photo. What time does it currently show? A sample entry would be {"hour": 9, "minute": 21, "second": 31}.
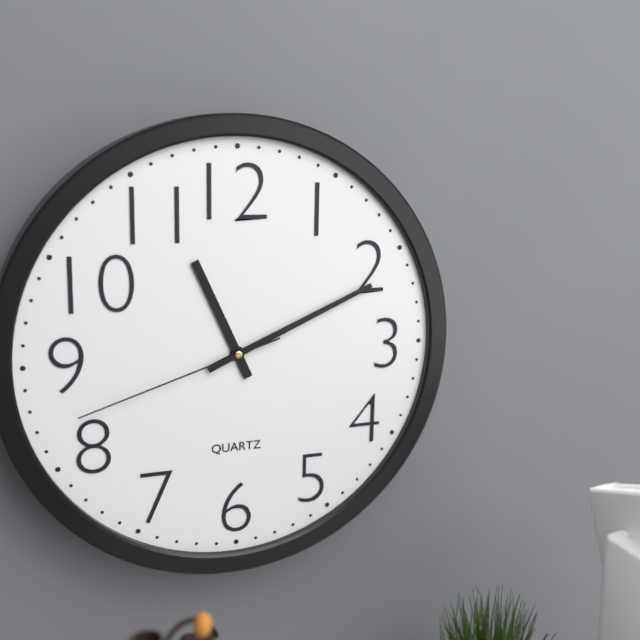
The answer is {"hour": 11, "minute": 11, "second": 42}
